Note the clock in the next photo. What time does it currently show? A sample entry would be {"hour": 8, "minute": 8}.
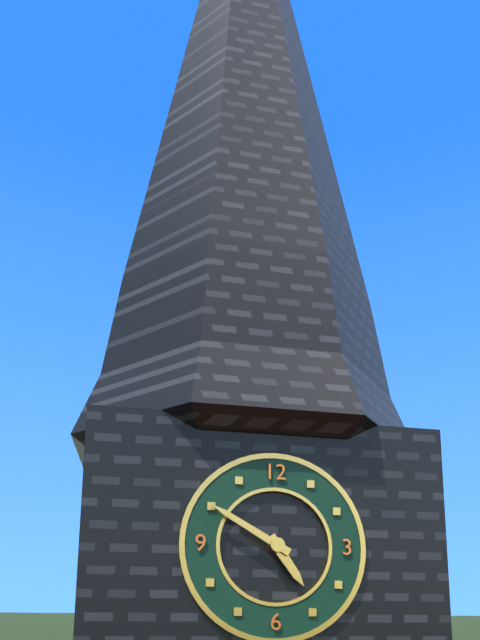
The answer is {"hour": 4, "minute": 50}
